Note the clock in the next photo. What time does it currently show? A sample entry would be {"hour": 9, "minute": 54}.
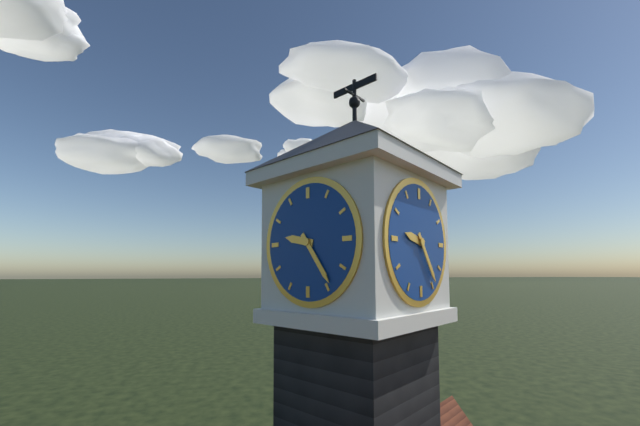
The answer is {"hour": 9, "minute": 24}
